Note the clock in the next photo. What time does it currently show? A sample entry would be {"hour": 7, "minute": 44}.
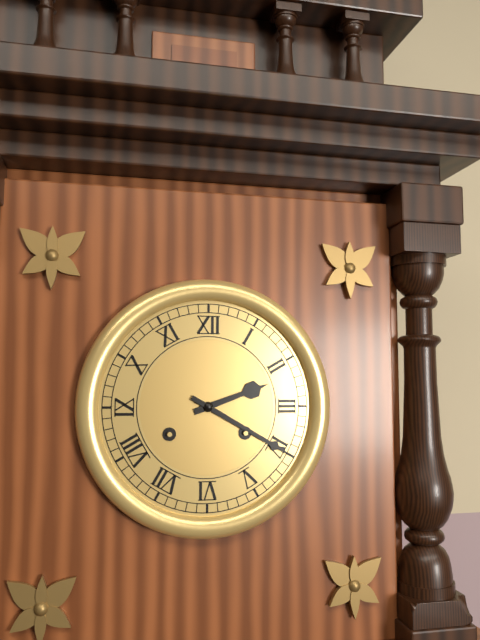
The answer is {"hour": 2, "minute": 20}
